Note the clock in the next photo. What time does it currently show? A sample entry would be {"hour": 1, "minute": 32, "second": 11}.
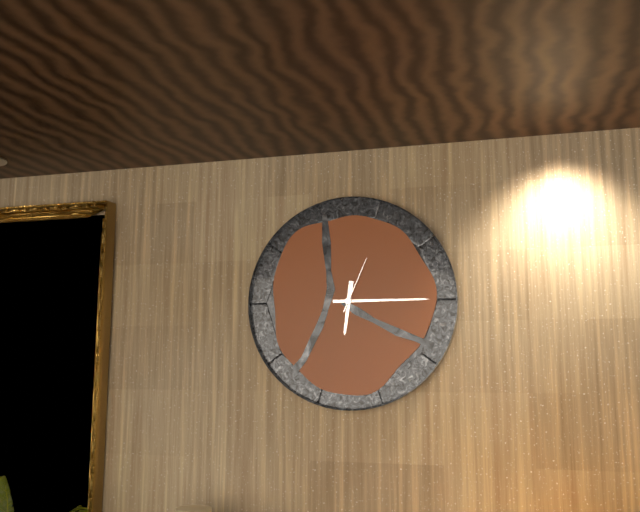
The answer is {"hour": 6, "minute": 15, "second": 4}
